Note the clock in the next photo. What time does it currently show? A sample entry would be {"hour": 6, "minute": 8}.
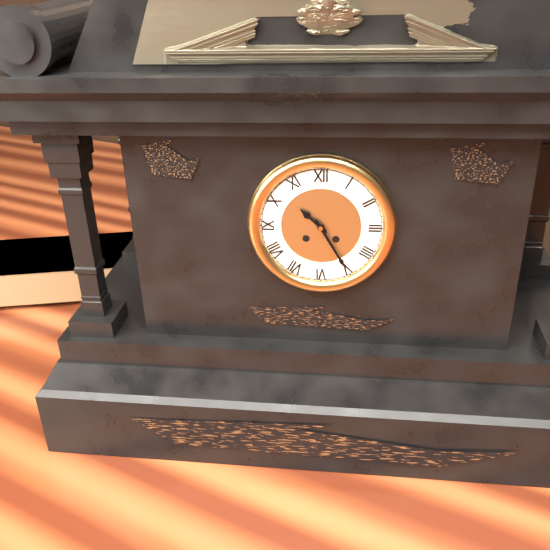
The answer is {"hour": 10, "minute": 25}
